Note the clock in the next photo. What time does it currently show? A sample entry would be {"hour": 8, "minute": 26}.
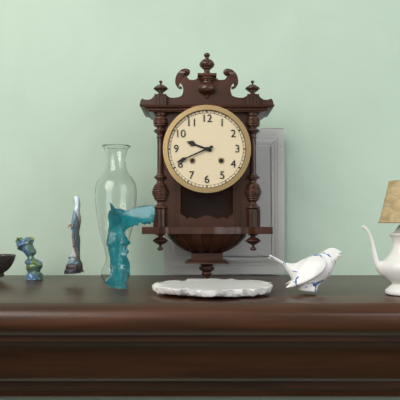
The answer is {"hour": 9, "minute": 41}
